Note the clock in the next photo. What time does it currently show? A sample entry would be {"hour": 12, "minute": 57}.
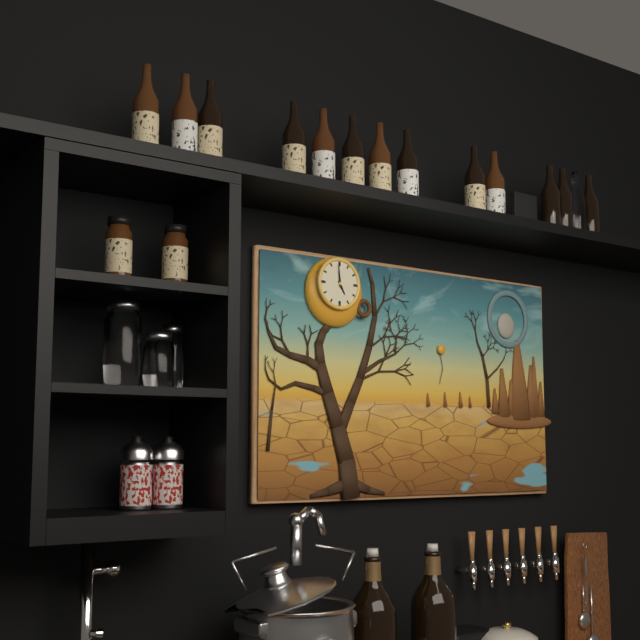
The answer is {"hour": 4, "minute": 59}
